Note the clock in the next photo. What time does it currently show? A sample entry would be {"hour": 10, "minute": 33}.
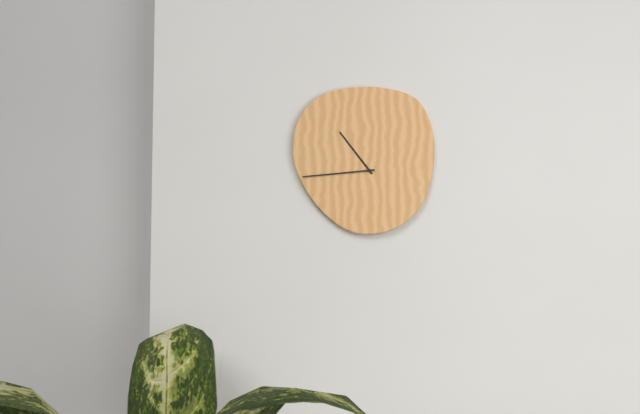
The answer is {"hour": 10, "minute": 44}
